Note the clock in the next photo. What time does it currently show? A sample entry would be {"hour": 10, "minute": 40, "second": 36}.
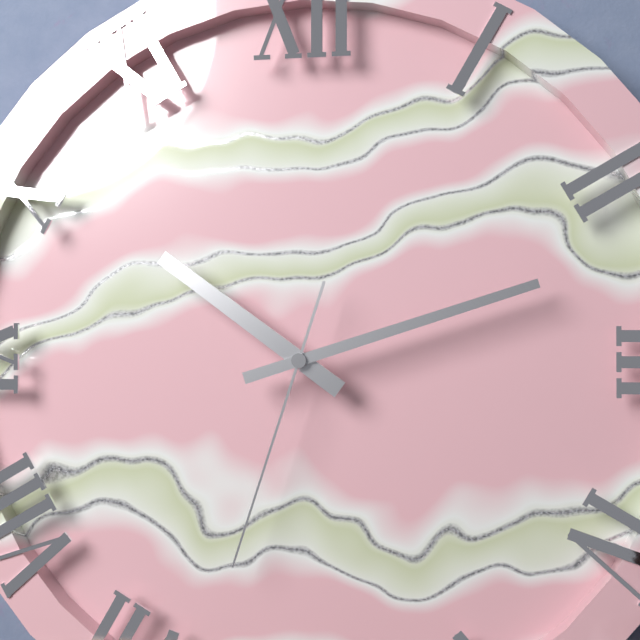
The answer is {"hour": 10, "minute": 12, "second": 33}
